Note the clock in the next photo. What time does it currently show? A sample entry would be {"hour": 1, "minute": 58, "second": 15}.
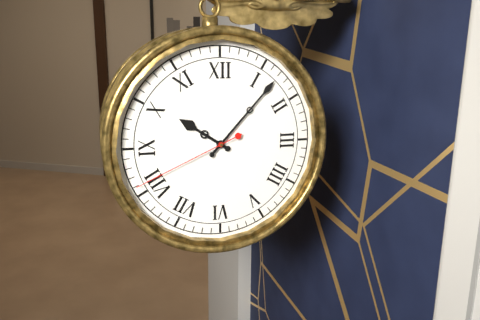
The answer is {"hour": 10, "minute": 7, "second": 41}
